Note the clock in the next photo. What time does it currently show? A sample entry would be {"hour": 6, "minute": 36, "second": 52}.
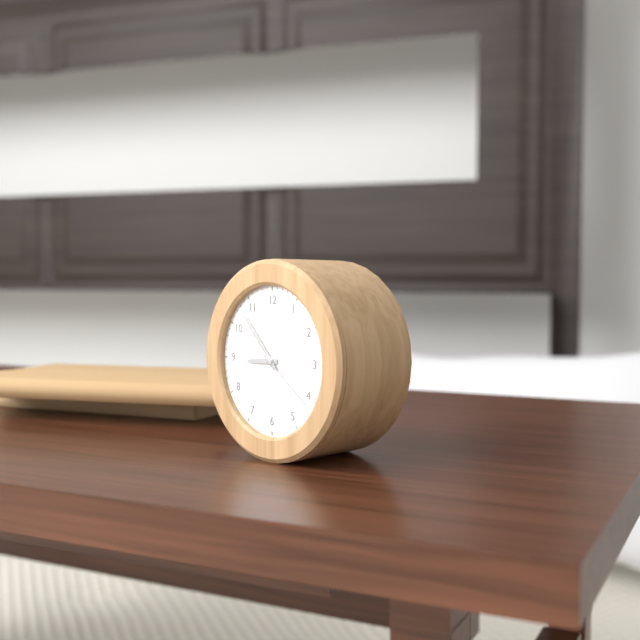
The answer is {"hour": 8, "minute": 53, "second": 21}
